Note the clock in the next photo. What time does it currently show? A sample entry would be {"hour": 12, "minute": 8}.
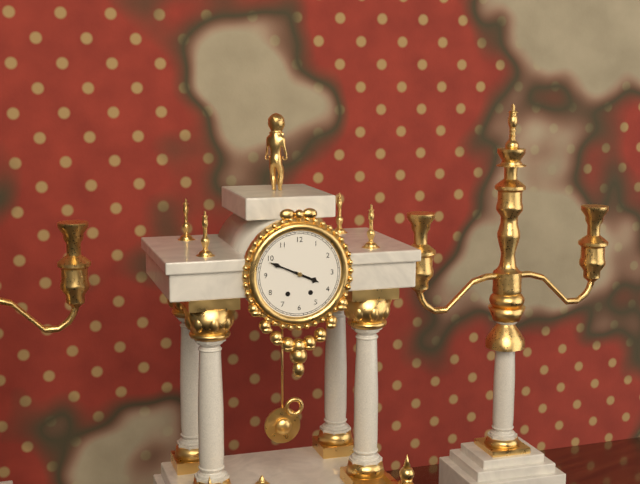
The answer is {"hour": 3, "minute": 49}
